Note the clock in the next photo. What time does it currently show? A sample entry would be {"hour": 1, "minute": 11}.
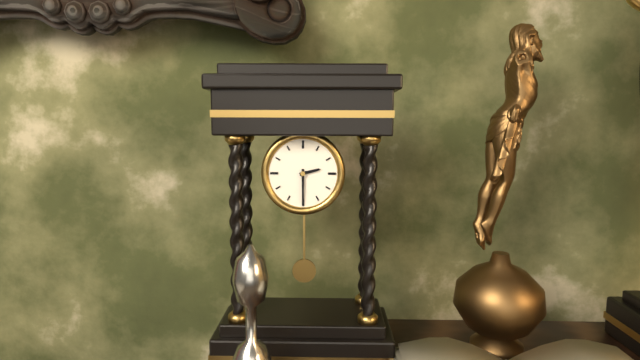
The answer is {"hour": 2, "minute": 30}
